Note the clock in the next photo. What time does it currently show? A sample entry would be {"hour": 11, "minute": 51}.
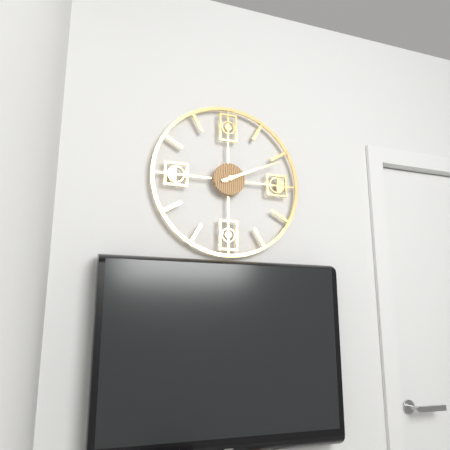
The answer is {"hour": 2, "minute": 11}
